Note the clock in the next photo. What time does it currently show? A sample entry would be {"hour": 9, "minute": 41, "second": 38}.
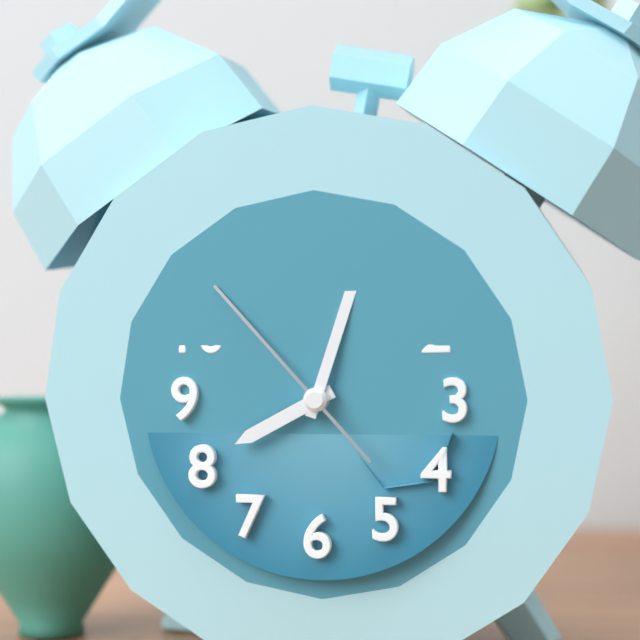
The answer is {"hour": 8, "minute": 3, "second": 53}
